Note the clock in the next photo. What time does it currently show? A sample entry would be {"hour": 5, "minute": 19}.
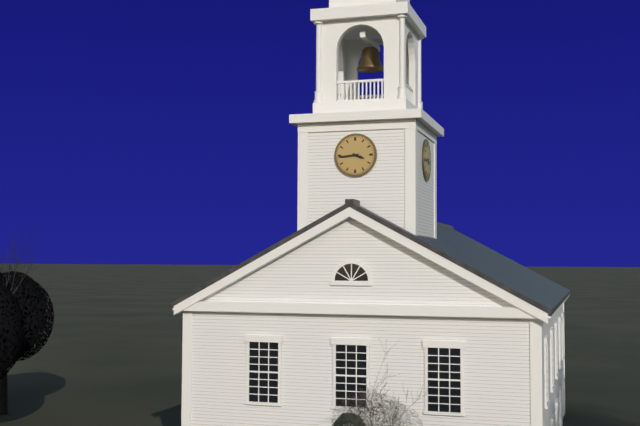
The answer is {"hour": 3, "minute": 44}
